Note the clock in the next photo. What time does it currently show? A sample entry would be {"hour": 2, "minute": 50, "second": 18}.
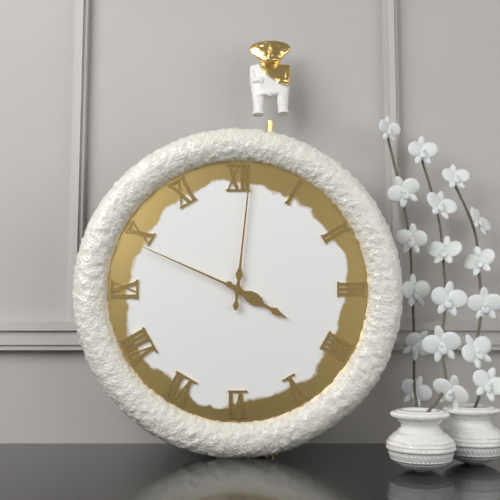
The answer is {"hour": 4, "minute": 1, "second": 49}
